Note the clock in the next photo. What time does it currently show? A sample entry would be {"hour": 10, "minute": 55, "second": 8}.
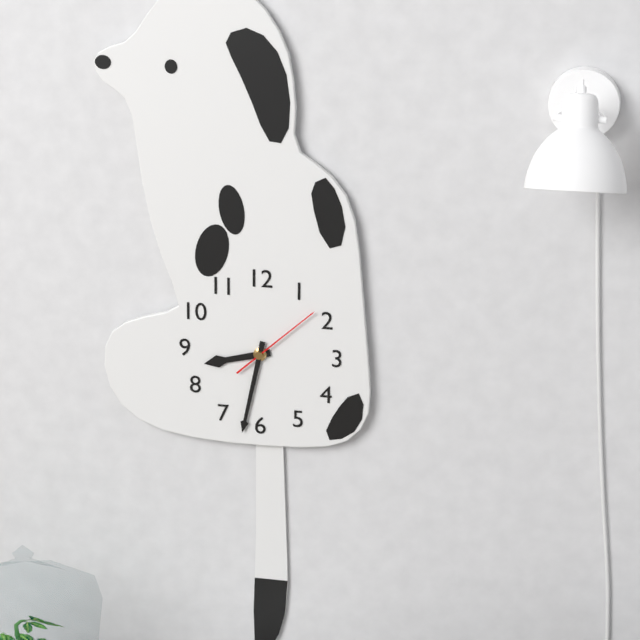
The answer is {"hour": 8, "minute": 32, "second": 8}
